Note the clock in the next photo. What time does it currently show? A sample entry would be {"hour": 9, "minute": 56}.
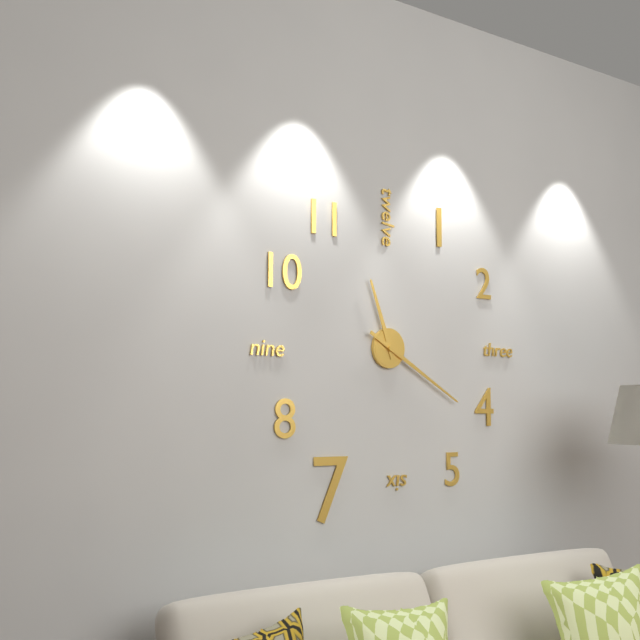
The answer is {"hour": 11, "minute": 20}
